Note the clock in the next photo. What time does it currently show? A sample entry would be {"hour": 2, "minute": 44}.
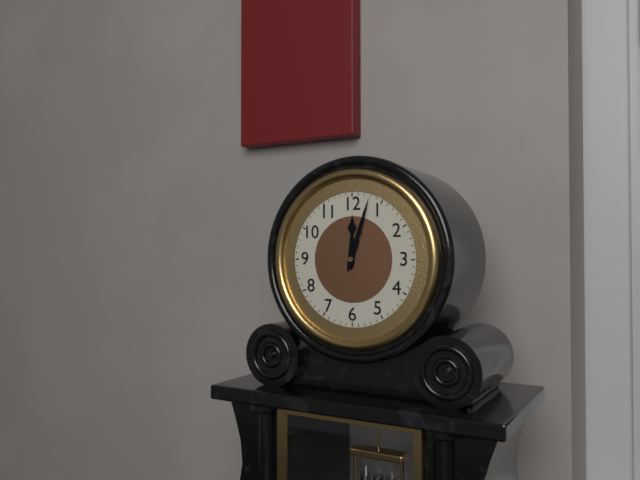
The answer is {"hour": 12, "minute": 3}
